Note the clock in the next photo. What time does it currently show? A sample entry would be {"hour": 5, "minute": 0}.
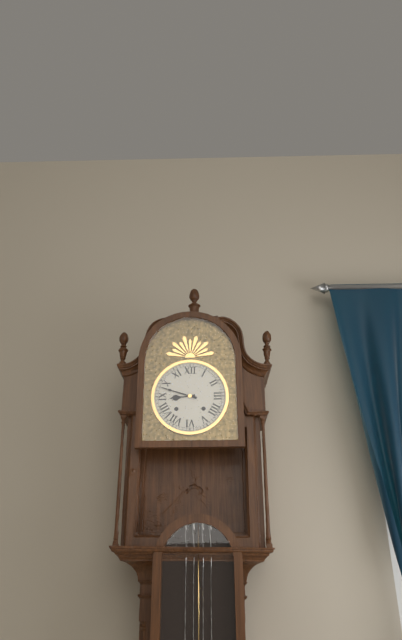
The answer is {"hour": 8, "minute": 48}
